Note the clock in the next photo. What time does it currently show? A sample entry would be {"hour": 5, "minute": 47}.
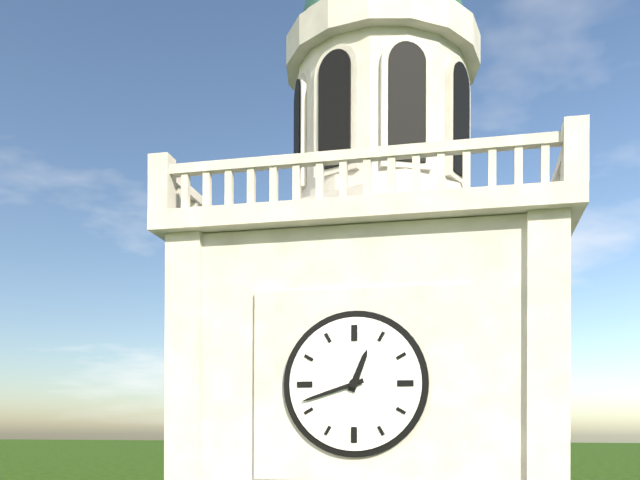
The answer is {"hour": 12, "minute": 42}
